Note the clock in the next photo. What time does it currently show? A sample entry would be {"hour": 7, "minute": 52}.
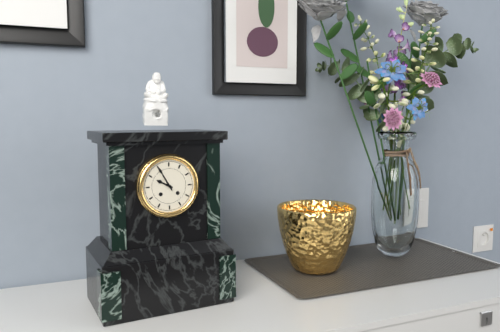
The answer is {"hour": 9, "minute": 55}
